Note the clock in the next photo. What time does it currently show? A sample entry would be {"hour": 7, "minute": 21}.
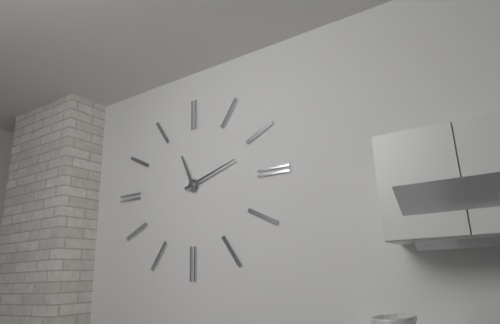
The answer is {"hour": 11, "minute": 12}
